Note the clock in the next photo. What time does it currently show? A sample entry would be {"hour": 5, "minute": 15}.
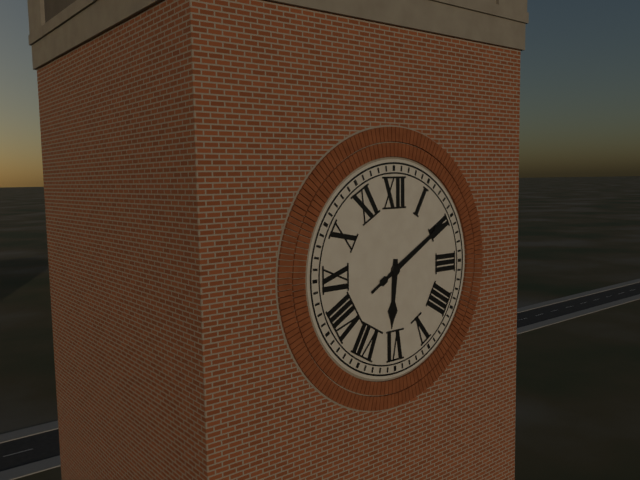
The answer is {"hour": 6, "minute": 10}
